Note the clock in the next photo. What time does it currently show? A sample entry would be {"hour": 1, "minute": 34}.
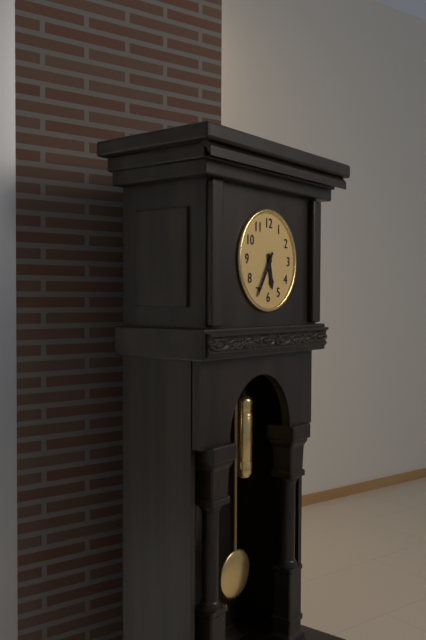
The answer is {"hour": 5, "minute": 35}
